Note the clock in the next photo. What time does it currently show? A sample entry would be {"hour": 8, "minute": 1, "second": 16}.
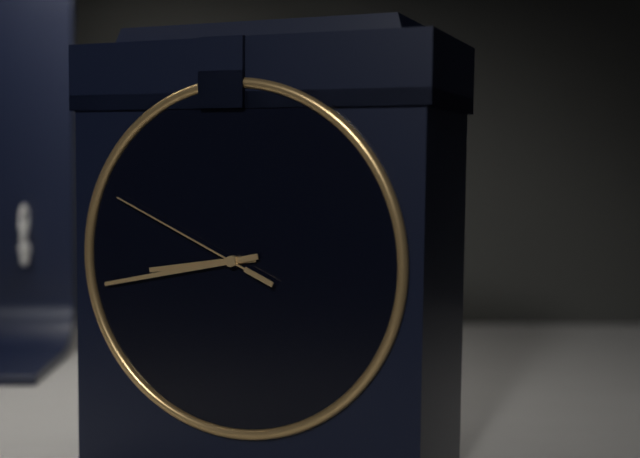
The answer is {"hour": 8, "minute": 43, "second": 49}
